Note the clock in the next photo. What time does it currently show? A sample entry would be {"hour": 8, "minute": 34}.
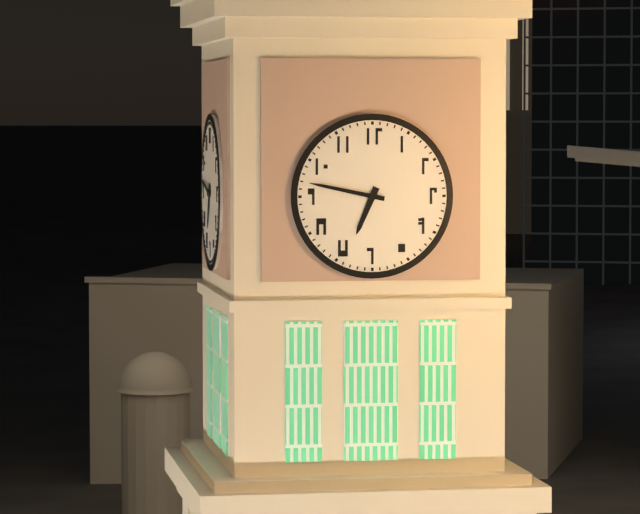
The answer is {"hour": 6, "minute": 47}
